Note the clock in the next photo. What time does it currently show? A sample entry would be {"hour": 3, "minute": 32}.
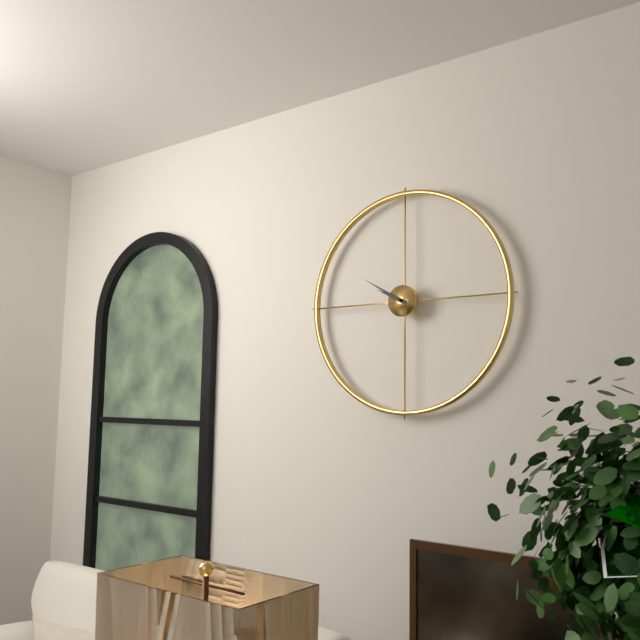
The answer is {"hour": 9, "minute": 50}
